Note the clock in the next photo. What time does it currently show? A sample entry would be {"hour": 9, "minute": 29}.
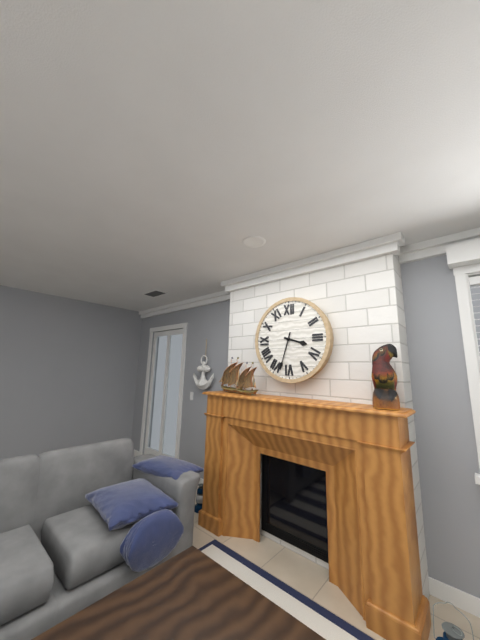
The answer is {"hour": 3, "minute": 33}
